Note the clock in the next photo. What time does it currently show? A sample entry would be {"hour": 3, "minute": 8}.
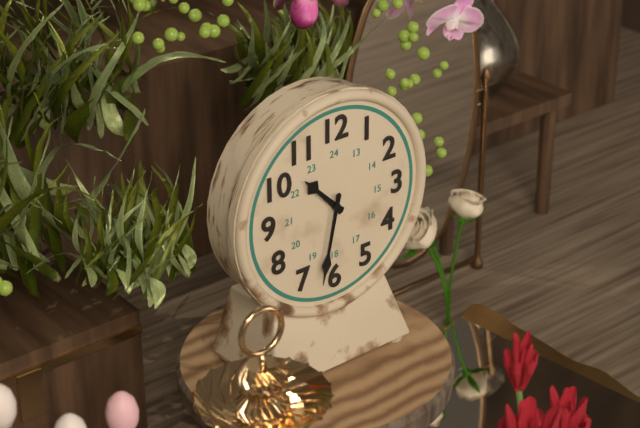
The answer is {"hour": 10, "minute": 32}
